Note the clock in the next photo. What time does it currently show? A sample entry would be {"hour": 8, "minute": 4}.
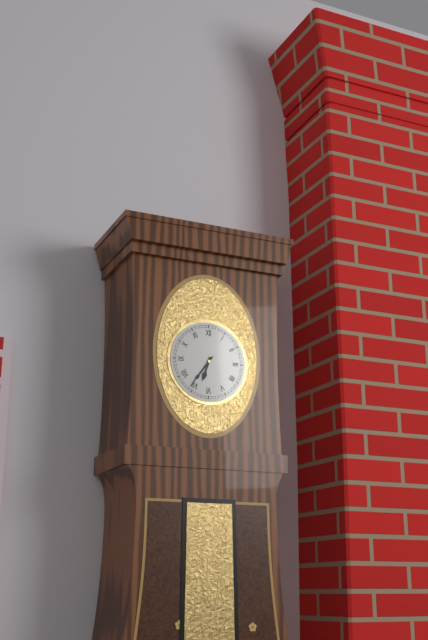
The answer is {"hour": 6, "minute": 36}
